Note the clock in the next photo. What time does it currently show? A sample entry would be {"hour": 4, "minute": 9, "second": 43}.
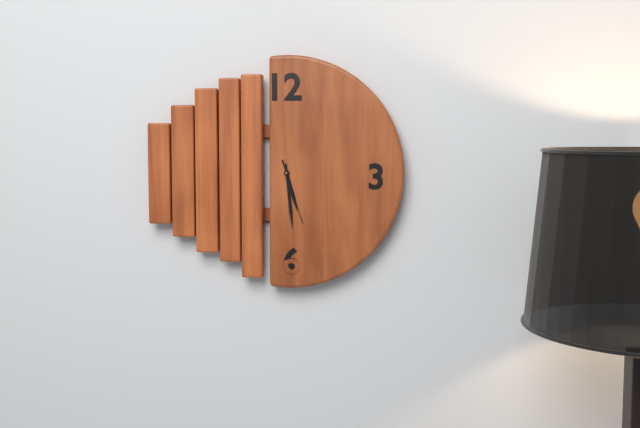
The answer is {"hour": 5, "minute": 29, "second": 27}
